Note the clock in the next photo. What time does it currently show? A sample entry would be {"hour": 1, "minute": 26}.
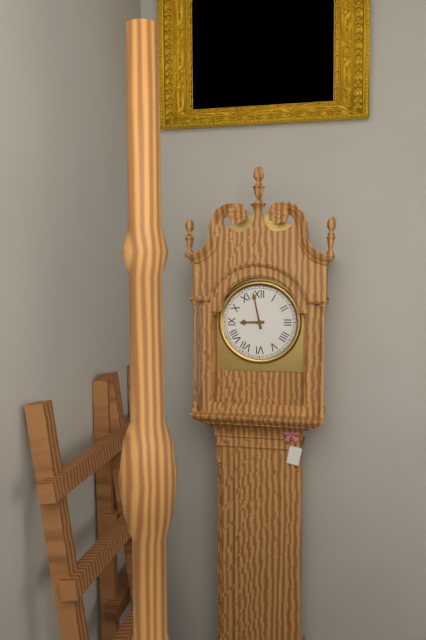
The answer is {"hour": 8, "minute": 58}
